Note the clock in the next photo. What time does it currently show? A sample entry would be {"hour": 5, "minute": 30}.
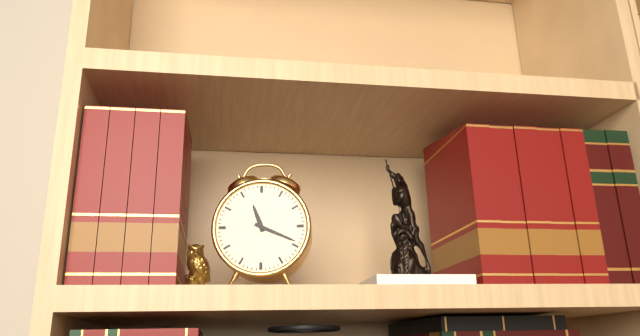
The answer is {"hour": 11, "minute": 19}
